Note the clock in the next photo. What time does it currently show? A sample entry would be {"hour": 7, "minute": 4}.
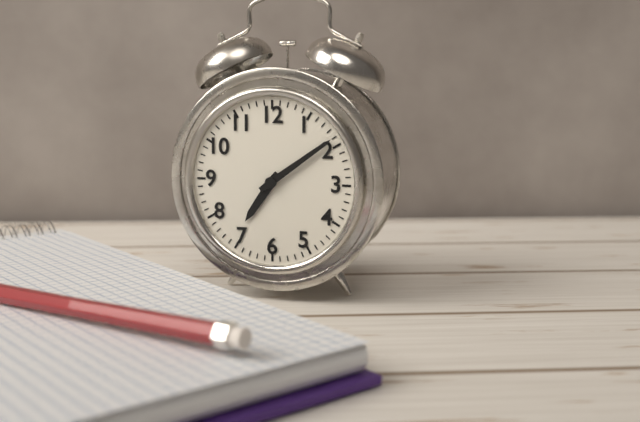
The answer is {"hour": 7, "minute": 9}
